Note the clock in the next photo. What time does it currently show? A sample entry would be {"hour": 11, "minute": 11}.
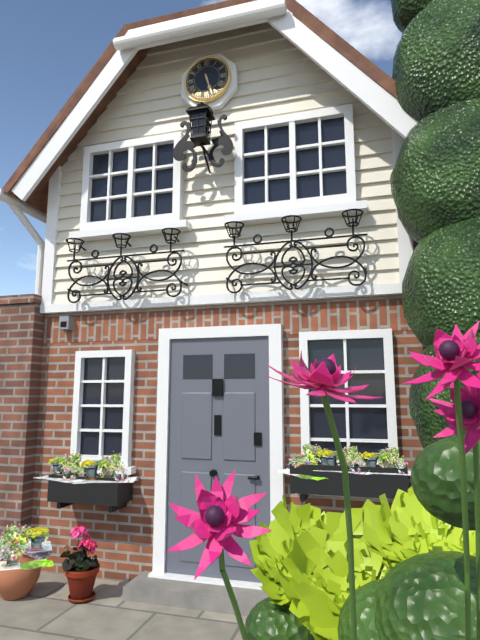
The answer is {"hour": 5, "minute": 27}
